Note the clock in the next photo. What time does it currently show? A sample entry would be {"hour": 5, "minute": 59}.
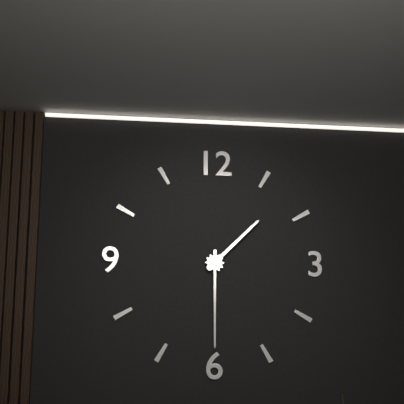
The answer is {"hour": 1, "minute": 30}
